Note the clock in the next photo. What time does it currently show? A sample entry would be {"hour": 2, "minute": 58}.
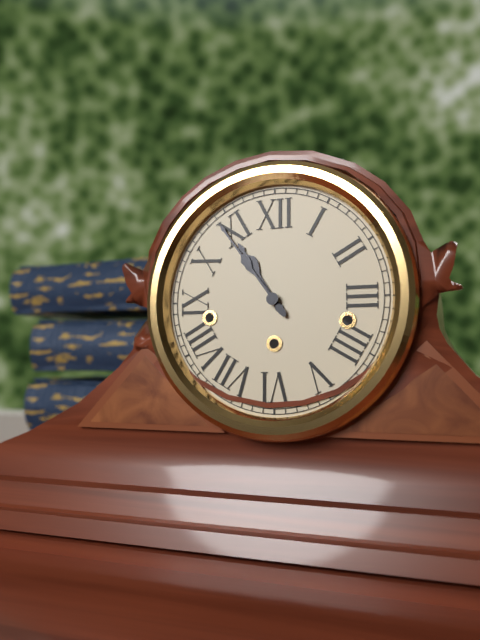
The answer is {"hour": 10, "minute": 54}
